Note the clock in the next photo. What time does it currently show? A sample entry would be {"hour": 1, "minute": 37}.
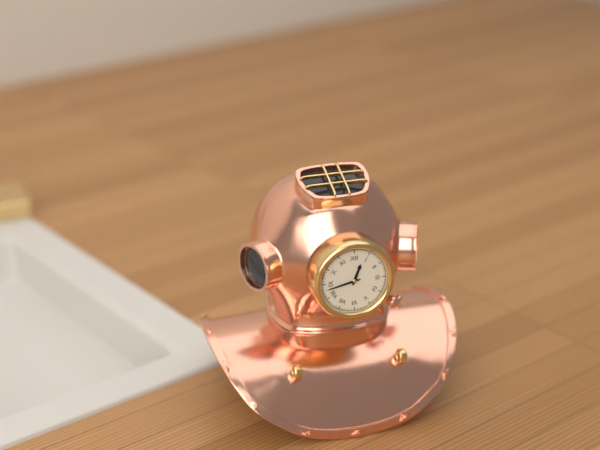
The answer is {"hour": 12, "minute": 43}
